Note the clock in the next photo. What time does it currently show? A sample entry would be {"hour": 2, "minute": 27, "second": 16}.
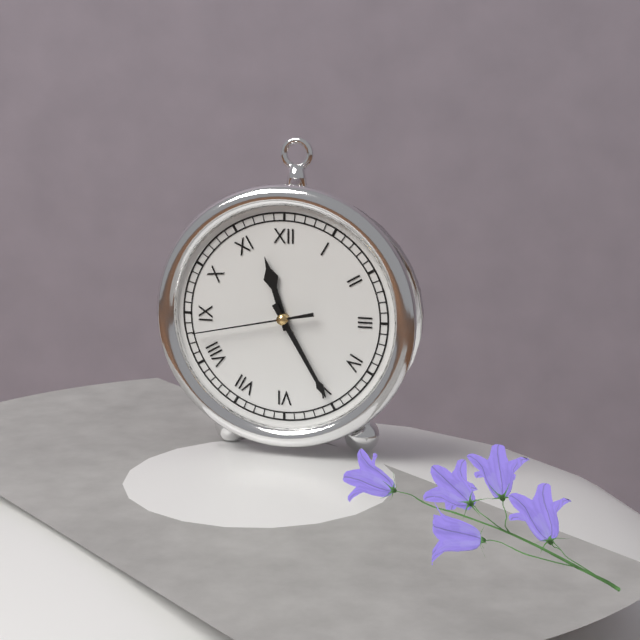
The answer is {"hour": 11, "minute": 25, "second": 43}
